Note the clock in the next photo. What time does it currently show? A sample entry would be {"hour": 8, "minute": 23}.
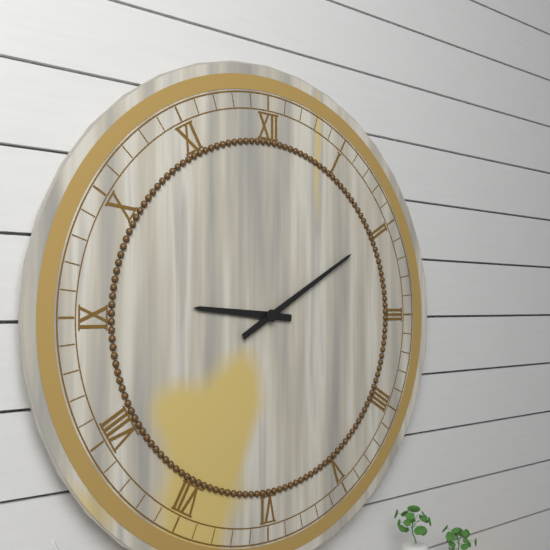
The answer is {"hour": 9, "minute": 10}
